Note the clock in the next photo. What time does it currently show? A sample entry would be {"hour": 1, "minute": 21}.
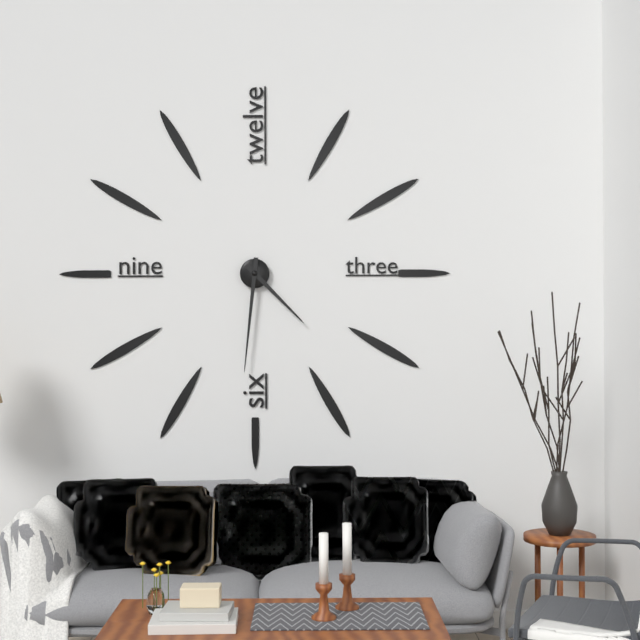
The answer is {"hour": 4, "minute": 31}
